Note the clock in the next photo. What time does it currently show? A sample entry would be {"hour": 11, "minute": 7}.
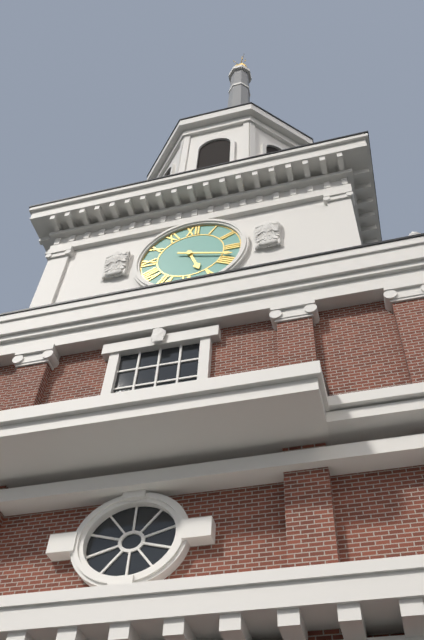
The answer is {"hour": 5, "minute": 18}
